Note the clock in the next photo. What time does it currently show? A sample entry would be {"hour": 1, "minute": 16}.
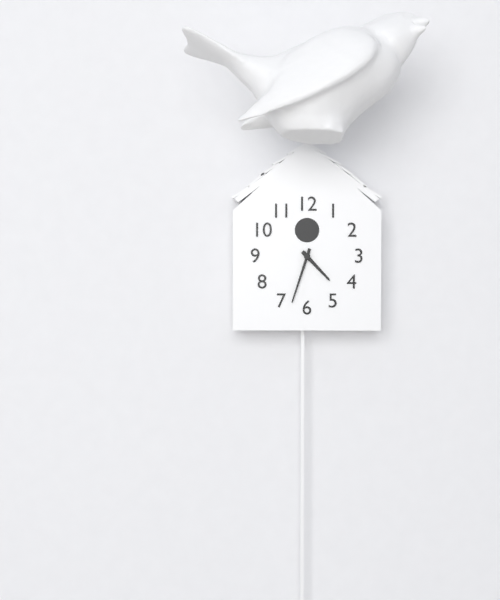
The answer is {"hour": 4, "minute": 33}
